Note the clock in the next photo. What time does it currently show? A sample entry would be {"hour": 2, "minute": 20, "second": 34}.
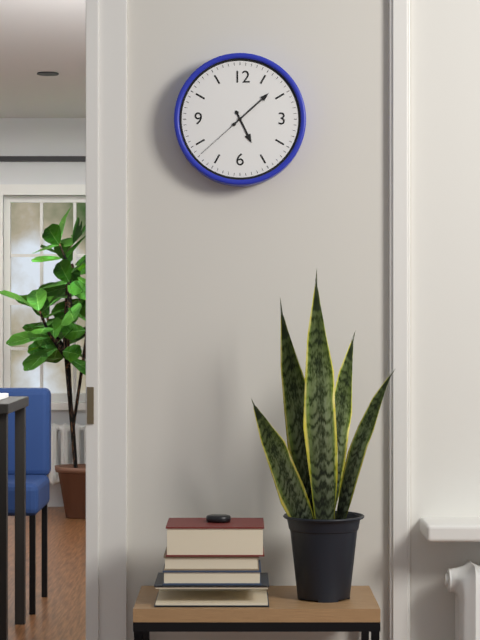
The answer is {"hour": 5, "minute": 8, "second": 38}
